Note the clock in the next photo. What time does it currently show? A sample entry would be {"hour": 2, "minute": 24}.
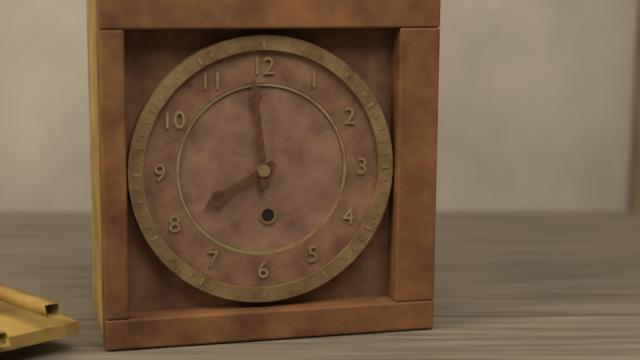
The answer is {"hour": 7, "minute": 59}
